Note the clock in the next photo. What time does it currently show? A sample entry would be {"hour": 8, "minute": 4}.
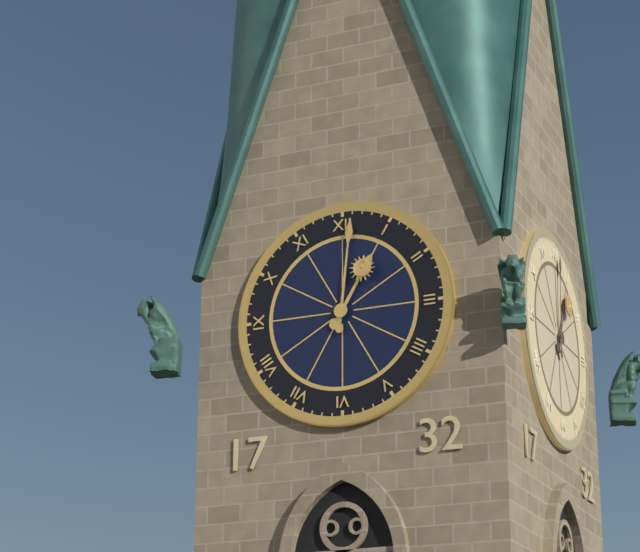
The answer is {"hour": 1, "minute": 1}
